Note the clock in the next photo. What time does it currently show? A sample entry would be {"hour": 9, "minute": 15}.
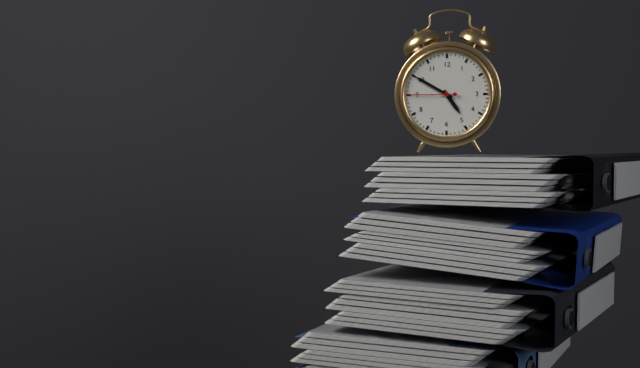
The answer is {"hour": 4, "minute": 50}
